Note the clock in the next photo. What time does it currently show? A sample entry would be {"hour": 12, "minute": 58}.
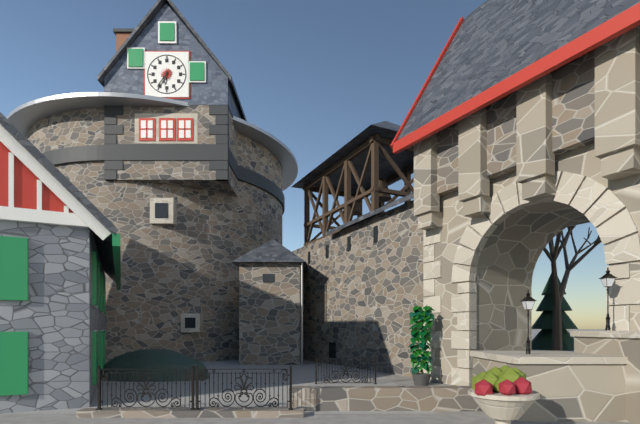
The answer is {"hour": 6, "minute": 36}
